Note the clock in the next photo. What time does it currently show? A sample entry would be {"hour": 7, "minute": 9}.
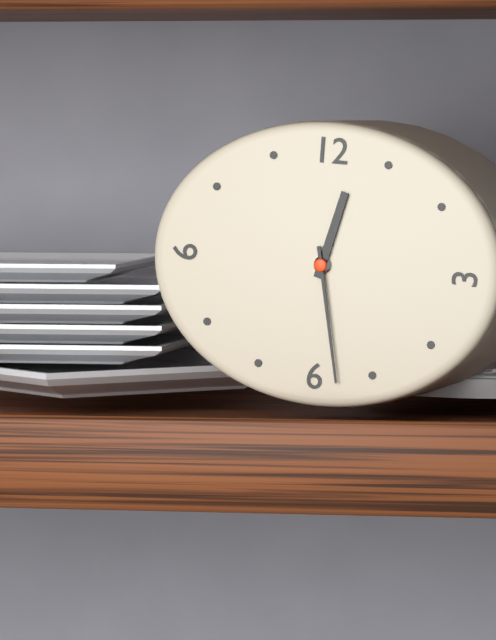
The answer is {"hour": 12, "minute": 28}
